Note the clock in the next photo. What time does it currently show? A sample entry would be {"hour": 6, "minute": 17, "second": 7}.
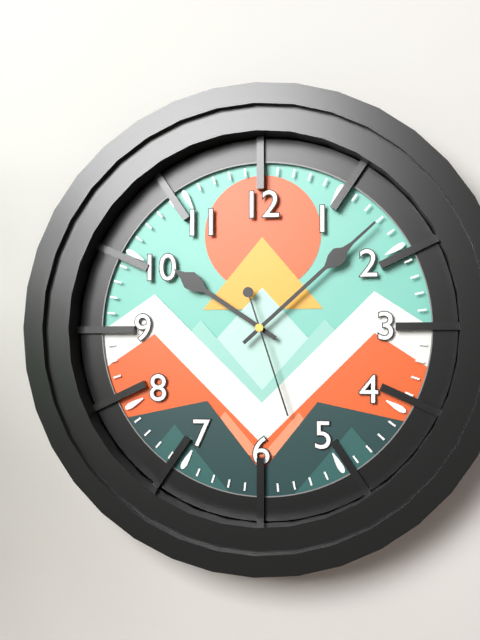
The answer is {"hour": 10, "minute": 8, "second": 27}
